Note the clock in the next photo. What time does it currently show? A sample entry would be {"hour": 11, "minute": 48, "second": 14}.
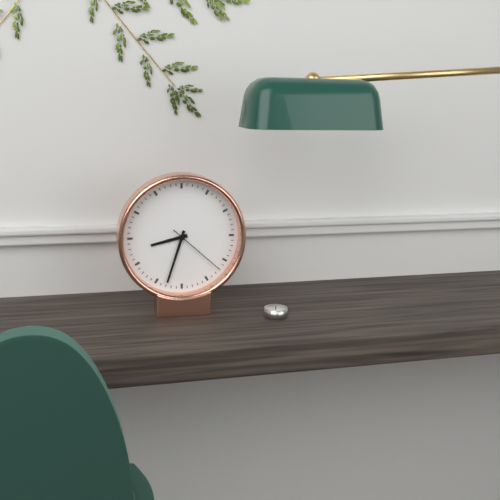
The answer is {"hour": 8, "minute": 33, "second": 22}
